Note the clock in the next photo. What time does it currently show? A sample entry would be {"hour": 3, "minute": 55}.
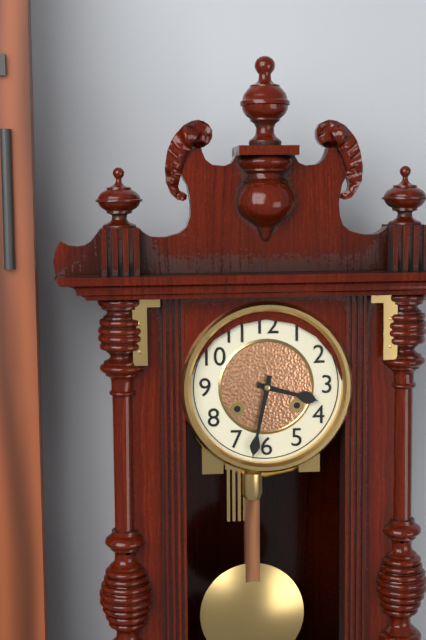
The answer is {"hour": 3, "minute": 32}
